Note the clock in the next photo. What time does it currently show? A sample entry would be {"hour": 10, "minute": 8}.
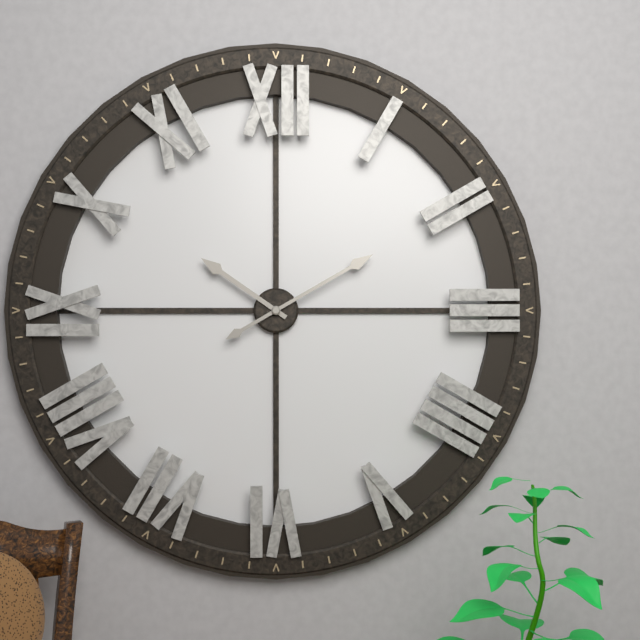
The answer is {"hour": 10, "minute": 10}
